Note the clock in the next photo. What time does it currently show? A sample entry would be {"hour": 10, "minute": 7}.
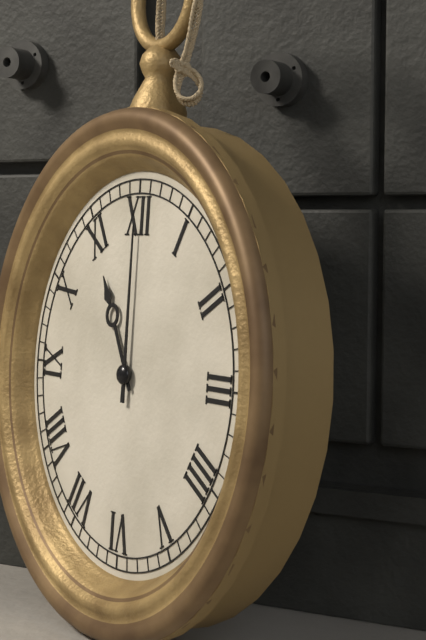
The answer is {"hour": 11, "minute": 0}
